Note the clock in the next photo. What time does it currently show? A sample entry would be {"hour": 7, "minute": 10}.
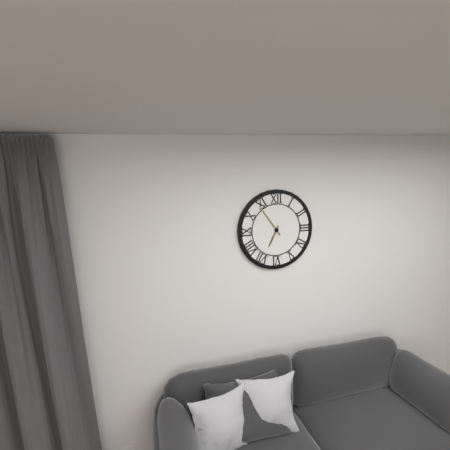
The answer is {"hour": 6, "minute": 54}
